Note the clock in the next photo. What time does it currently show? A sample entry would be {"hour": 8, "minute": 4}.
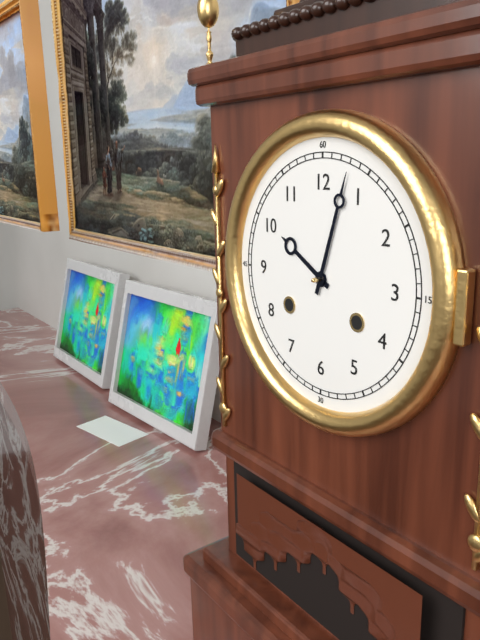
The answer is {"hour": 10, "minute": 3}
